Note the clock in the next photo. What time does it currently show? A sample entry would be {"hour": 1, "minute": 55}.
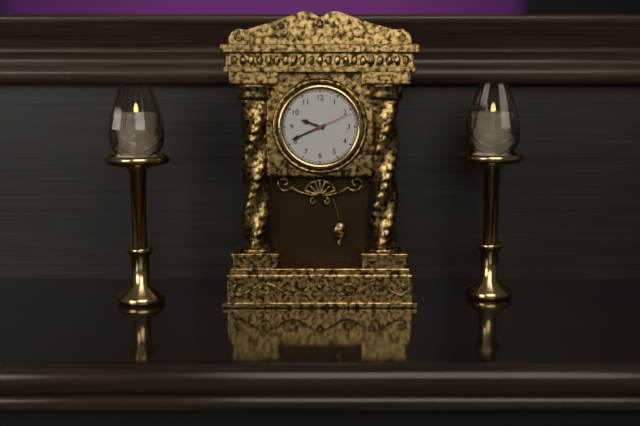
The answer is {"hour": 9, "minute": 41}
